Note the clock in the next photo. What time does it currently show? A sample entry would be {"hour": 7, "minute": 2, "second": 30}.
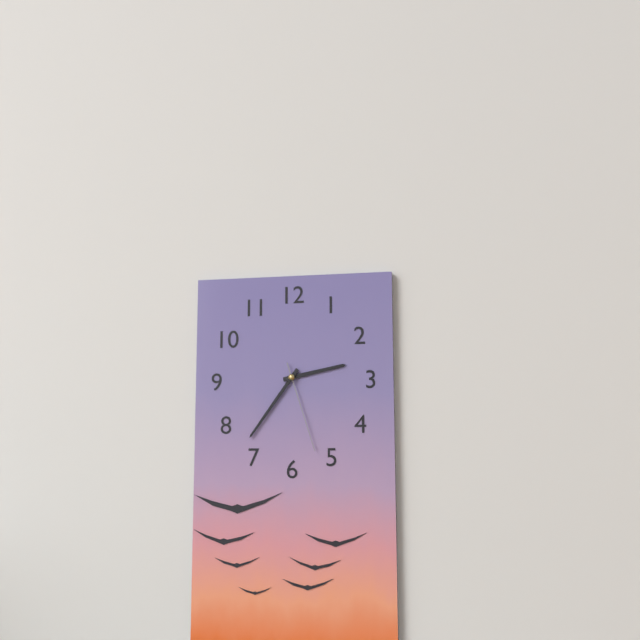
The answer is {"hour": 2, "minute": 36, "second": 27}
